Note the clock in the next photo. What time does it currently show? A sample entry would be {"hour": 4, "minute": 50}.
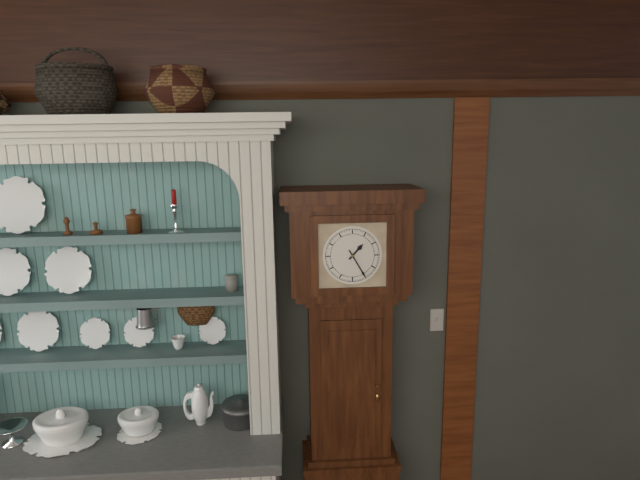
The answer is {"hour": 1, "minute": 25}
